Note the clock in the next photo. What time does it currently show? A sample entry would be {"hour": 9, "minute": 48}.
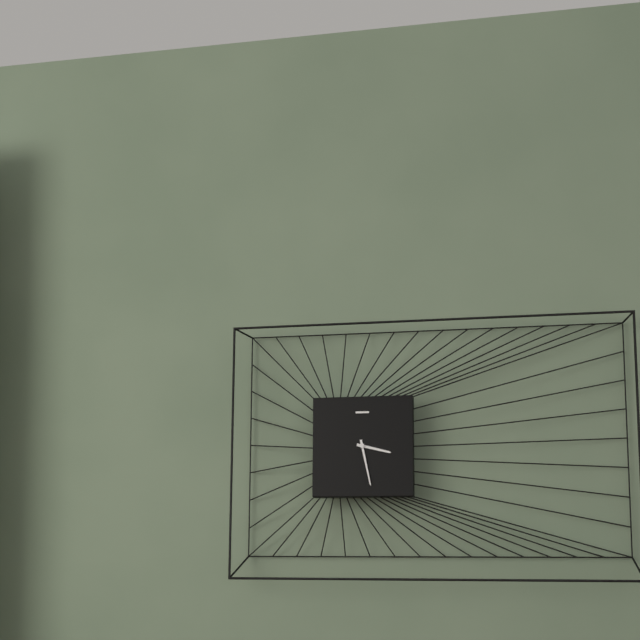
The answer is {"hour": 3, "minute": 28}
